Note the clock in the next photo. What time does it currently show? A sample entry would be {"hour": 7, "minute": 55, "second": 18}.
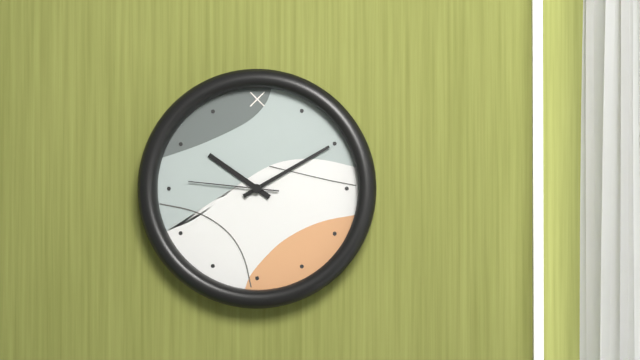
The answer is {"hour": 10, "minute": 10, "second": 46}
